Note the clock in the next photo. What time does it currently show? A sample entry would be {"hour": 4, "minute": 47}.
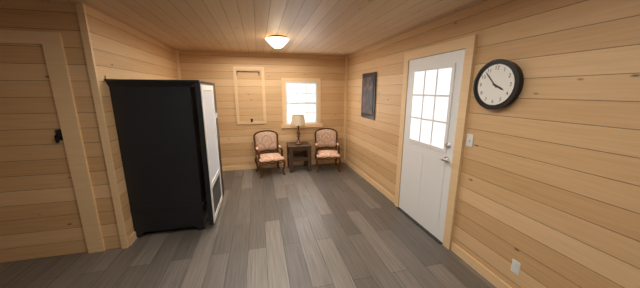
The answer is {"hour": 3, "minute": 53}
